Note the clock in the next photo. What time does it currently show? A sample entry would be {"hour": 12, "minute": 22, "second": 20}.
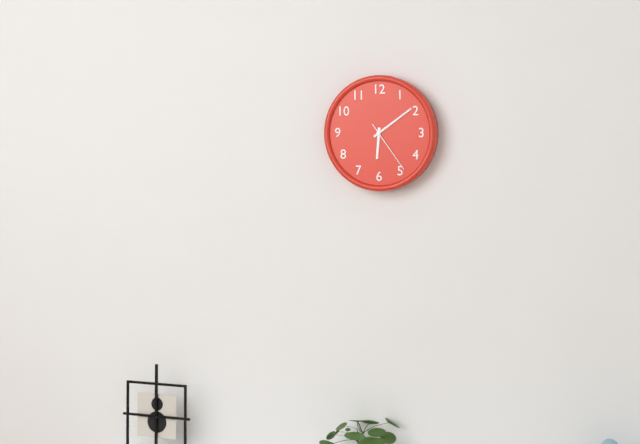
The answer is {"hour": 6, "minute": 9, "second": 24}
